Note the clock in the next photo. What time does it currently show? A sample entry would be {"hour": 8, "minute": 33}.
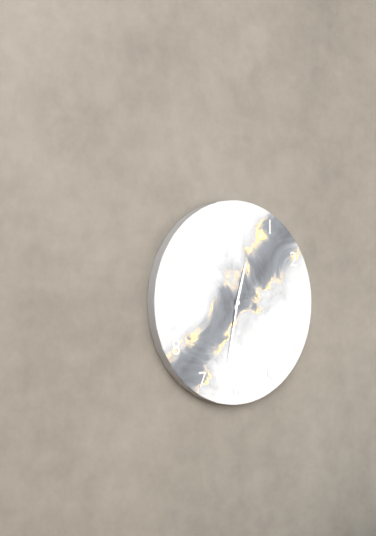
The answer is {"hour": 12, "minute": 32}
